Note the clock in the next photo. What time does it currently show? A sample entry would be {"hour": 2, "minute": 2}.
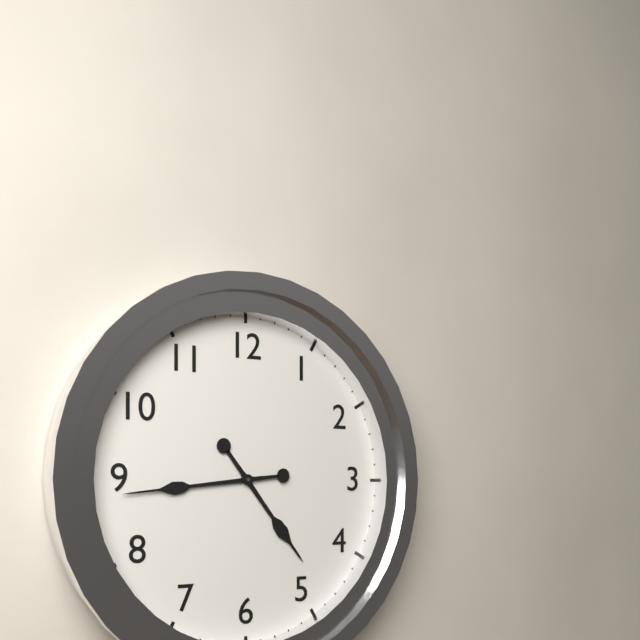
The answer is {"hour": 4, "minute": 44}
